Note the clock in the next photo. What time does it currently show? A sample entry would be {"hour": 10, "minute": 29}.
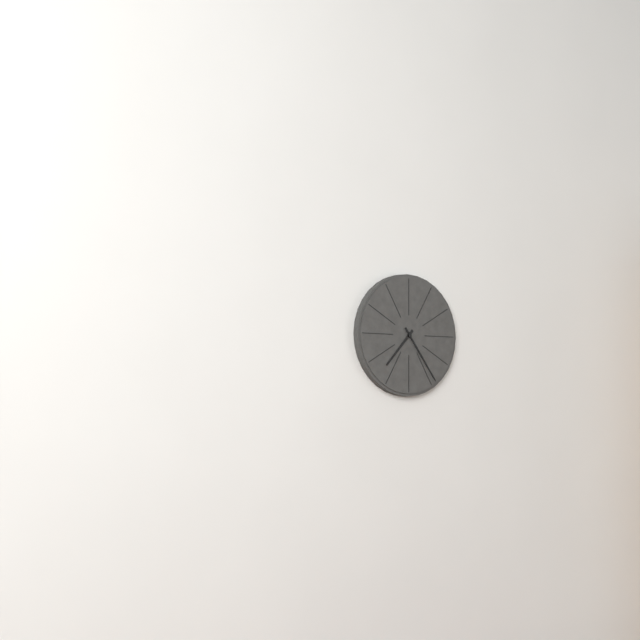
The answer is {"hour": 7, "minute": 24}
